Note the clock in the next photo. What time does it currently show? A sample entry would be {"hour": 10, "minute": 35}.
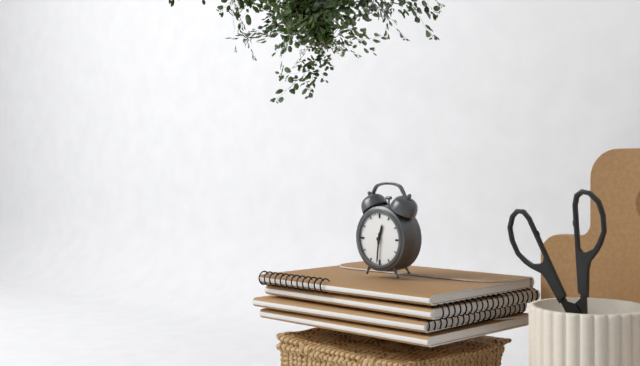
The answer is {"hour": 12, "minute": 31}
